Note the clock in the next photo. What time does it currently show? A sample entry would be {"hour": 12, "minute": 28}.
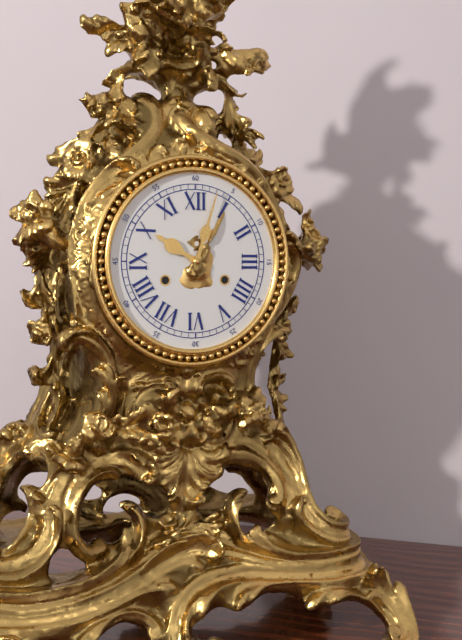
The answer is {"hour": 10, "minute": 3}
